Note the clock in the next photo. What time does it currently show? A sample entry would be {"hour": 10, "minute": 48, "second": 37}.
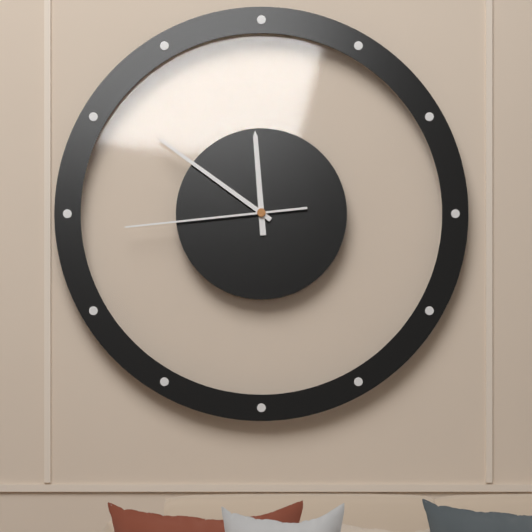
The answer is {"hour": 11, "minute": 51, "second": 44}
